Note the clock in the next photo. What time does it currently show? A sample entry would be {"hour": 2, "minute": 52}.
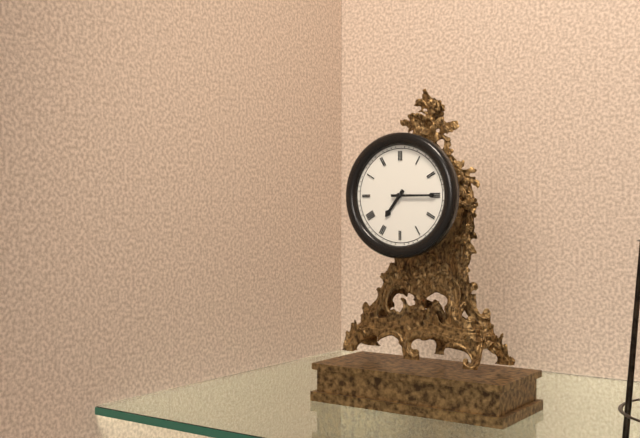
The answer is {"hour": 7, "minute": 15}
